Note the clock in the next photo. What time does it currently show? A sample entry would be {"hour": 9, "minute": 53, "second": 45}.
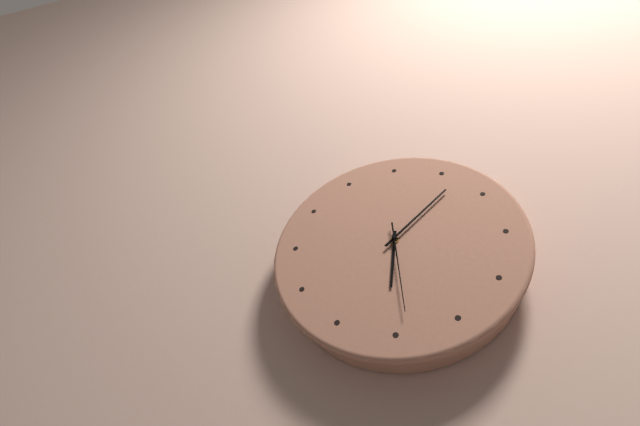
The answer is {"hour": 6, "minute": 7, "second": 29}
